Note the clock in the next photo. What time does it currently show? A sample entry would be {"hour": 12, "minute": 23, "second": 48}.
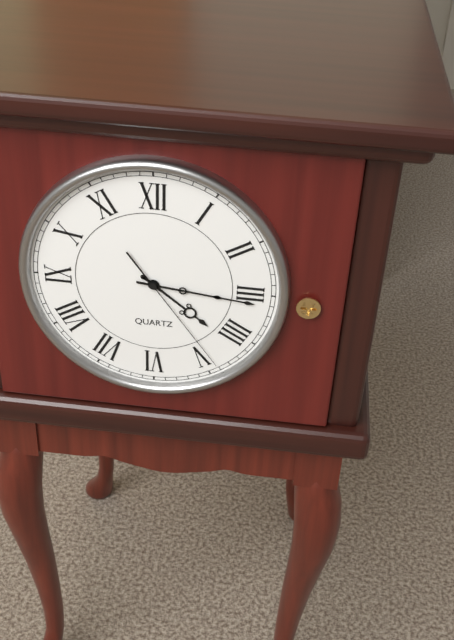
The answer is {"hour": 4, "minute": 16, "second": 24}
